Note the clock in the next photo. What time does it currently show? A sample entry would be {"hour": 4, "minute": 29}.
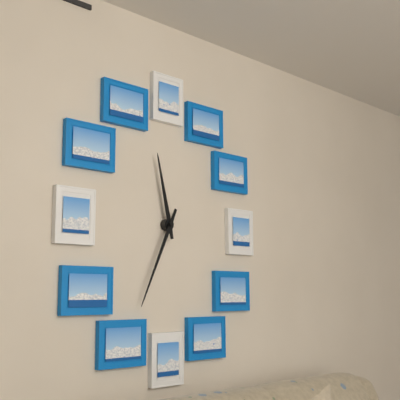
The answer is {"hour": 11, "minute": 34}
